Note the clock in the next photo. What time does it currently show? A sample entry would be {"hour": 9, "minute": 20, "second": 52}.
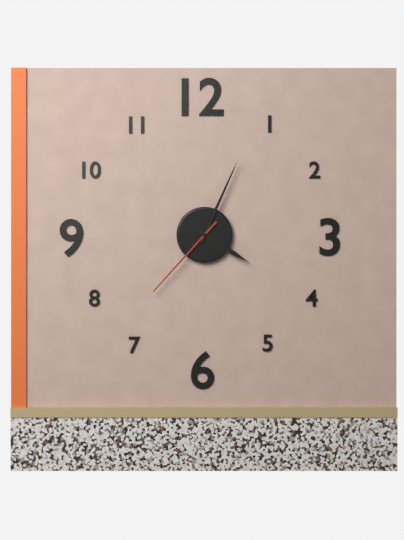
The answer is {"hour": 4, "minute": 4, "second": 37}
